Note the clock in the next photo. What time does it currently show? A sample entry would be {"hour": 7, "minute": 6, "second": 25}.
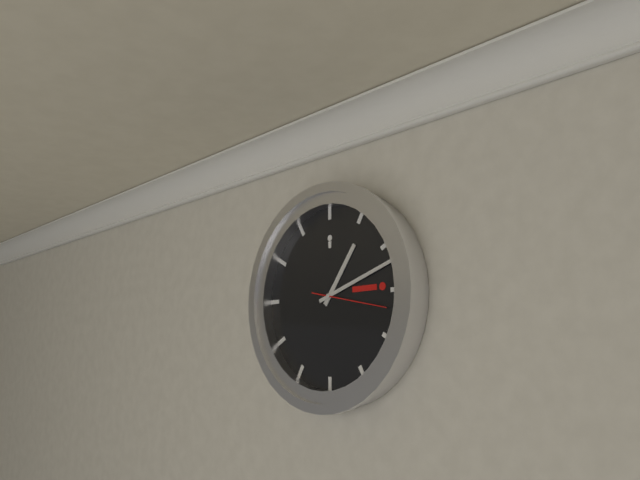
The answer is {"hour": 1, "minute": 12, "second": 17}
